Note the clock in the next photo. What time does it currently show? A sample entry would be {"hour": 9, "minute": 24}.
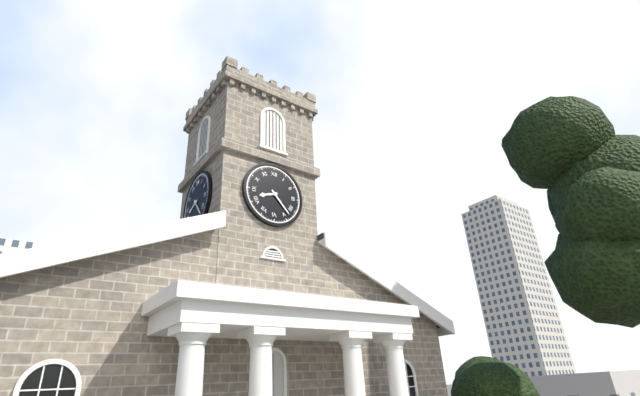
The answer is {"hour": 8, "minute": 23}
